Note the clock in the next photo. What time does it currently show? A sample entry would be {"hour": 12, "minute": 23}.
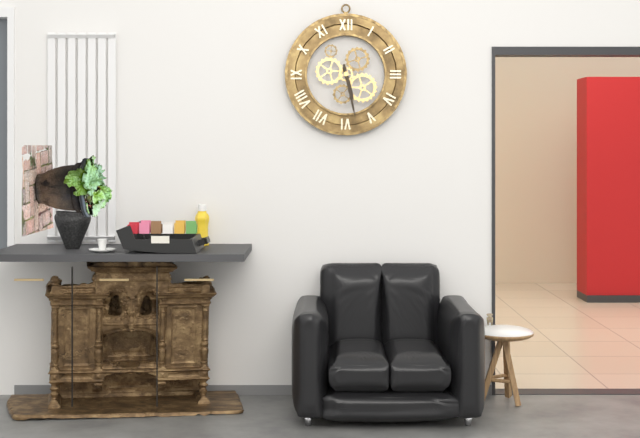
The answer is {"hour": 5, "minute": 28}
